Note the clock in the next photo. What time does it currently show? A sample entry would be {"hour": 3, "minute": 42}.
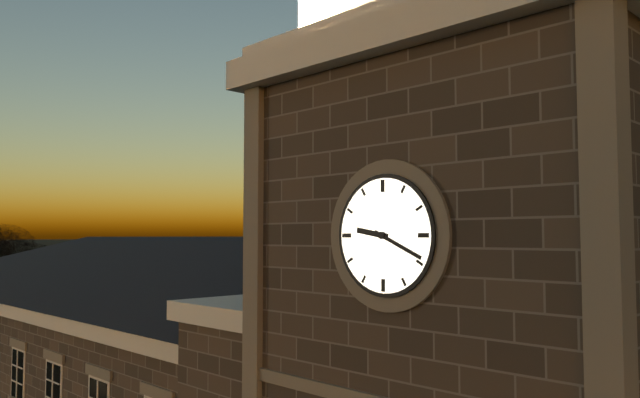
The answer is {"hour": 9, "minute": 19}
